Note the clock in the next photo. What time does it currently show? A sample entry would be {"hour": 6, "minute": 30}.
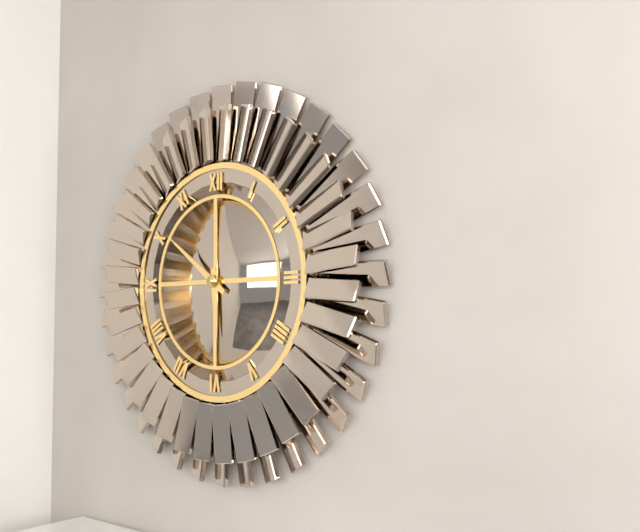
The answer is {"hour": 5, "minute": 51}
